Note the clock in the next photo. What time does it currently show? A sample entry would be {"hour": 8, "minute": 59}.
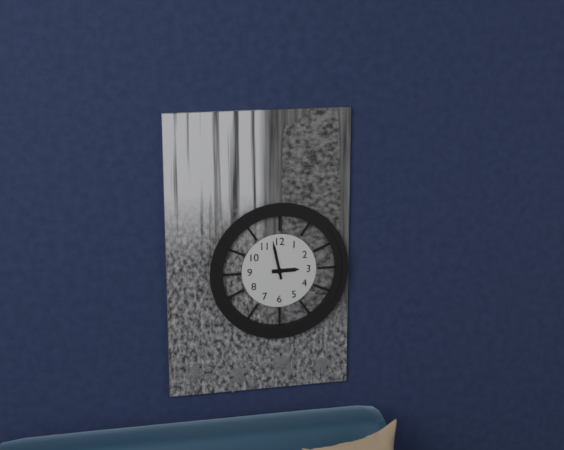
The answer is {"hour": 2, "minute": 58}
